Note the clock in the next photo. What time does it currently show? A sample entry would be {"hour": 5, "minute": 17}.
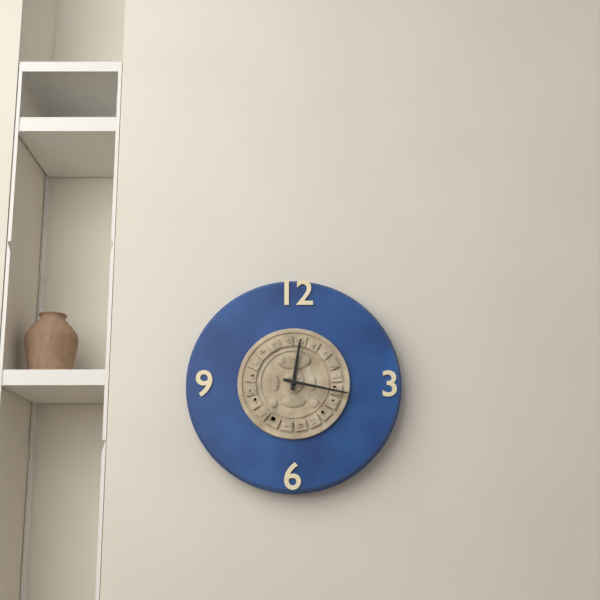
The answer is {"hour": 12, "minute": 17}
